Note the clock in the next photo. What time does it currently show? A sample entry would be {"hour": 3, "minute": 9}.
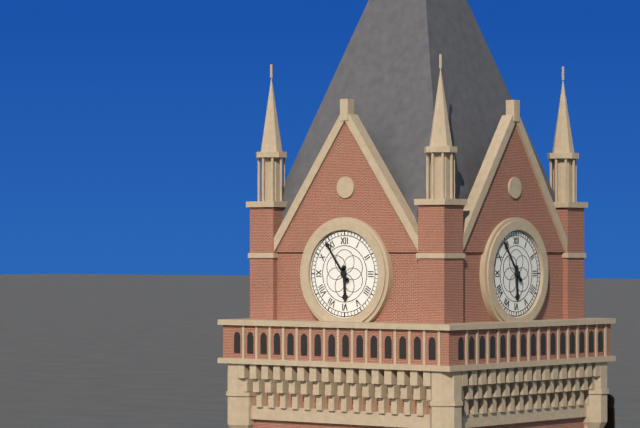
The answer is {"hour": 5, "minute": 54}
